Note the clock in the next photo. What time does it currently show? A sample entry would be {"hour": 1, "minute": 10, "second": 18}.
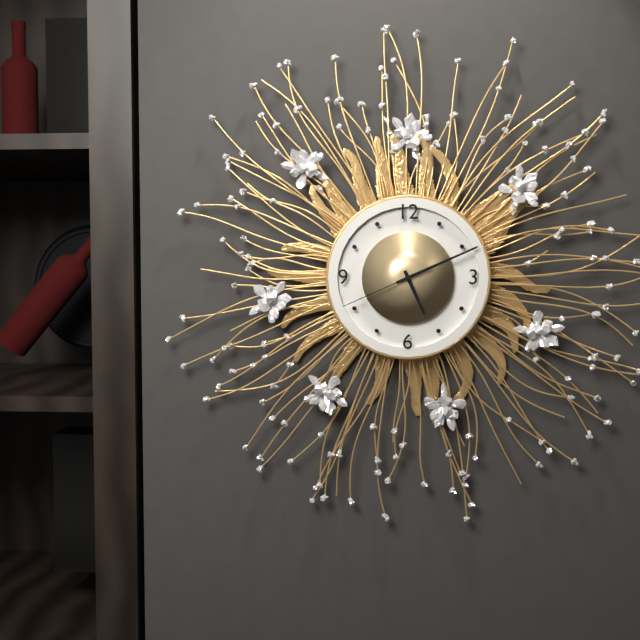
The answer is {"hour": 5, "minute": 11, "second": 41}
